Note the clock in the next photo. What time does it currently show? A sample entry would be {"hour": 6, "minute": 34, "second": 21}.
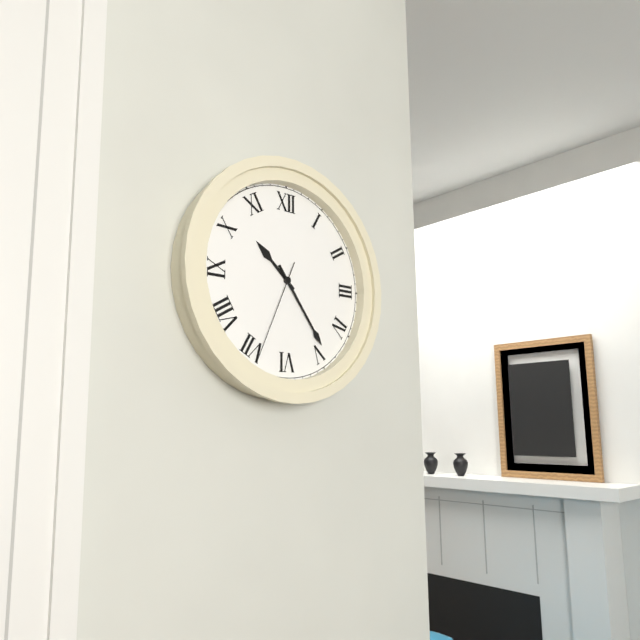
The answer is {"hour": 10, "minute": 24, "second": 34}
